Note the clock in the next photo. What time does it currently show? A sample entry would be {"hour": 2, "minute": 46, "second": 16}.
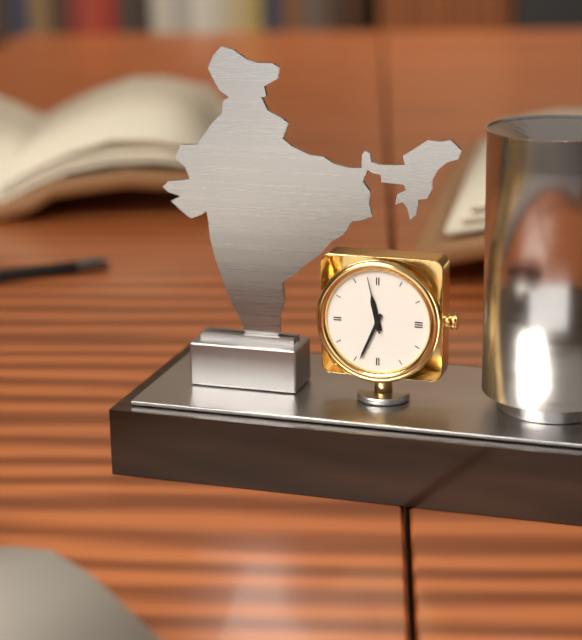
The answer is {"hour": 11, "minute": 34, "second": 58}
